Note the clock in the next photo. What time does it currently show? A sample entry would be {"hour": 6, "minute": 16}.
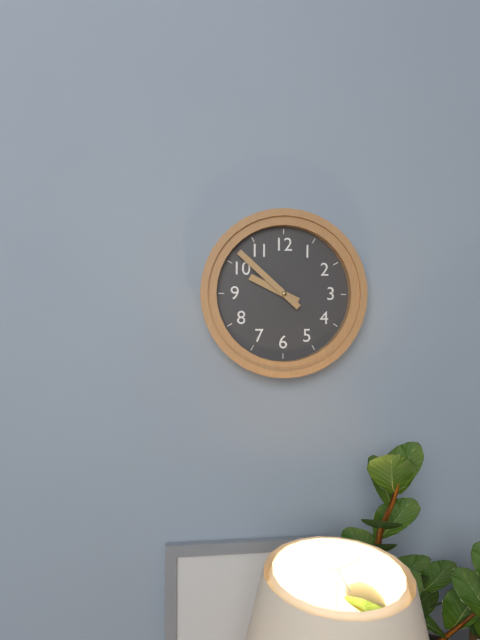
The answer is {"hour": 9, "minute": 52}
